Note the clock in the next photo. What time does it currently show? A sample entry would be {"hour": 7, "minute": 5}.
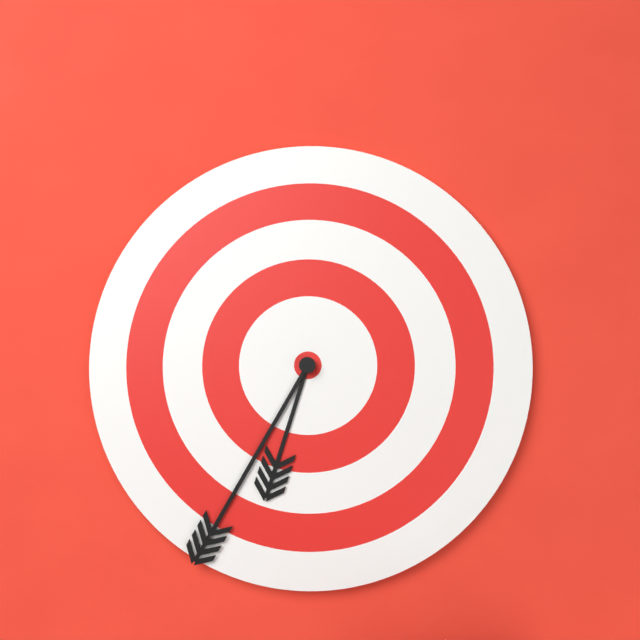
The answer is {"hour": 6, "minute": 35}
